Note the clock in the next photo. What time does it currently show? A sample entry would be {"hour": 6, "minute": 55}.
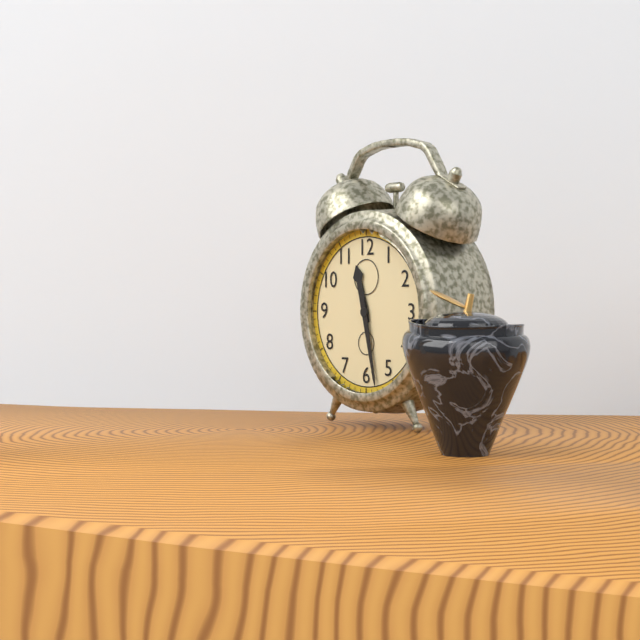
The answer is {"hour": 11, "minute": 28}
